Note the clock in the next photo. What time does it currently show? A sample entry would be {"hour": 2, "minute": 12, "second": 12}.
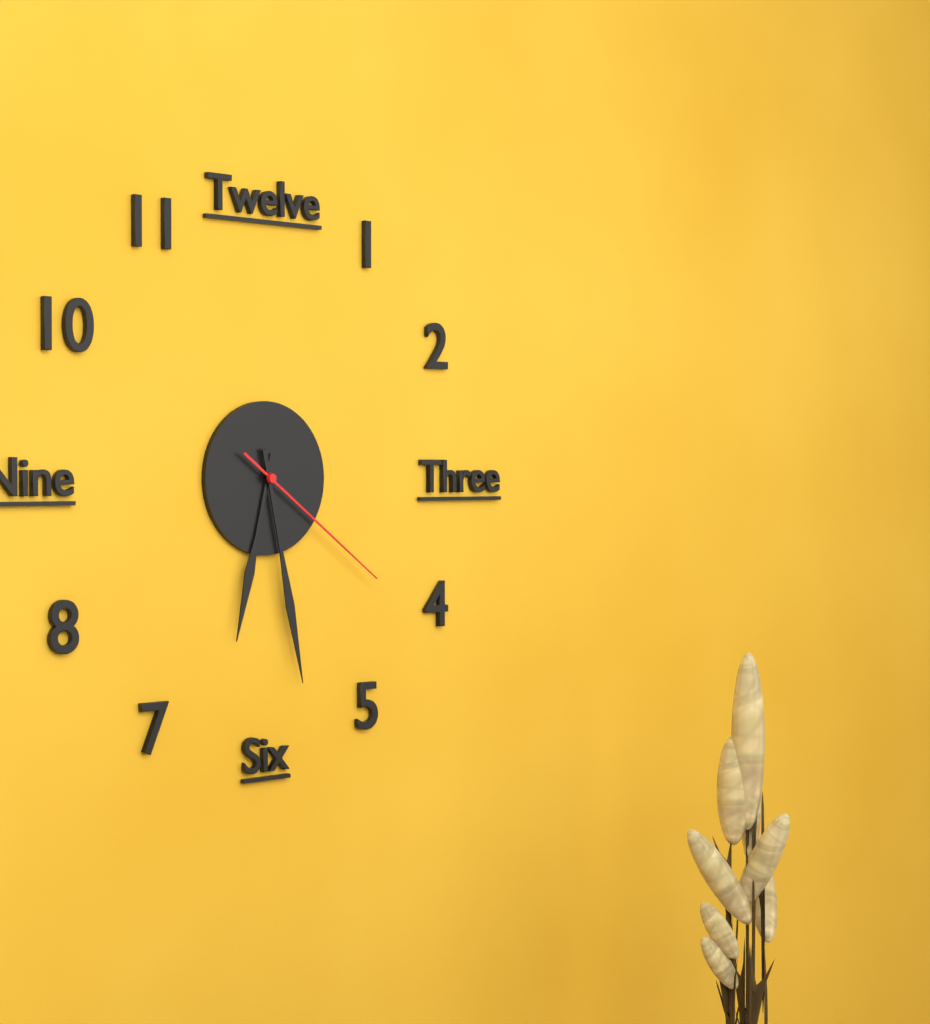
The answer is {"hour": 6, "minute": 28, "second": 21}
